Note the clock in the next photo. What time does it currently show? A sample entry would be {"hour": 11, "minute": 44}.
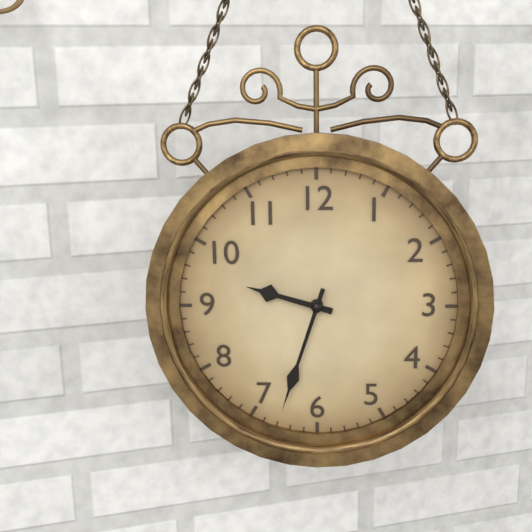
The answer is {"hour": 9, "minute": 33}
